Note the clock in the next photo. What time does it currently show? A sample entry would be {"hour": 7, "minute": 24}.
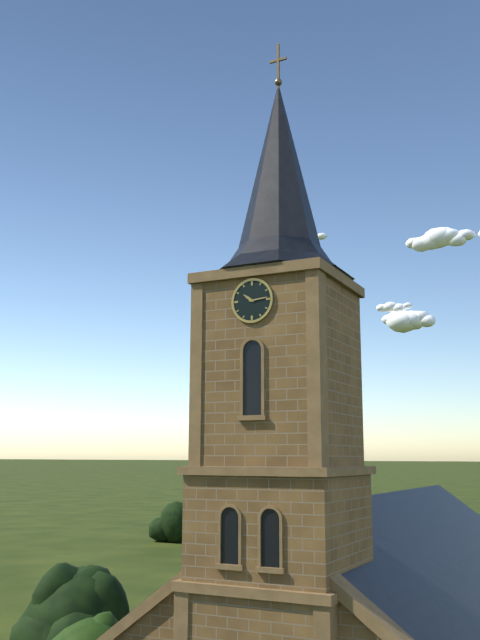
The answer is {"hour": 10, "minute": 14}
